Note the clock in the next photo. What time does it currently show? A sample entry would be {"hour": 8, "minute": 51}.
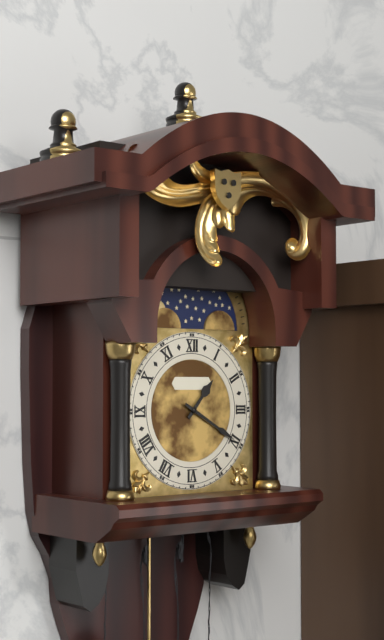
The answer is {"hour": 1, "minute": 20}
